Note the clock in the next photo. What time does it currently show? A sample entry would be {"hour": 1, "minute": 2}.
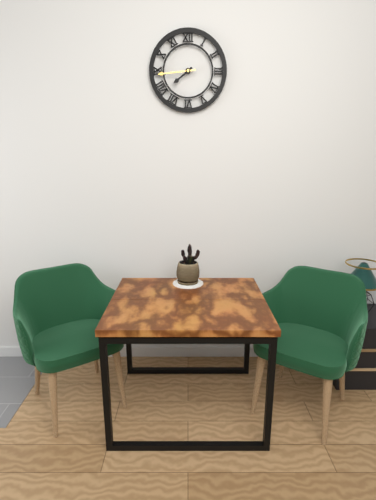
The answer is {"hour": 7, "minute": 44}
